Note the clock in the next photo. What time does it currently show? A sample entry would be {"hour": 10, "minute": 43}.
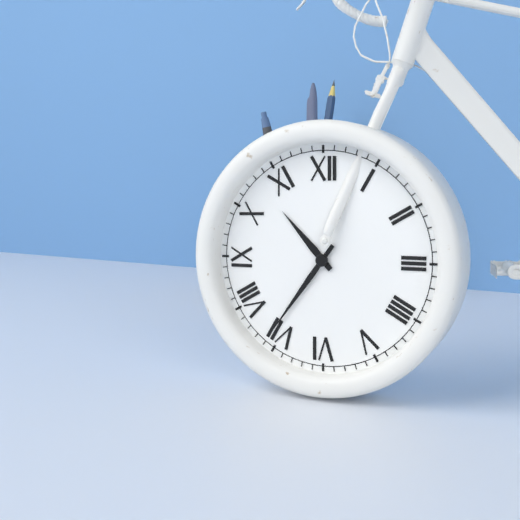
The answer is {"hour": 10, "minute": 36}
